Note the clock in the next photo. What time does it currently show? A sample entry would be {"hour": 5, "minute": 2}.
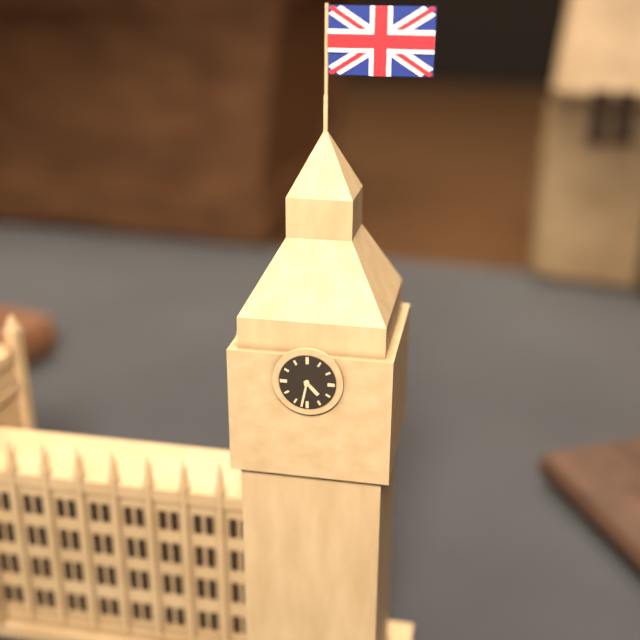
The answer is {"hour": 4, "minute": 32}
